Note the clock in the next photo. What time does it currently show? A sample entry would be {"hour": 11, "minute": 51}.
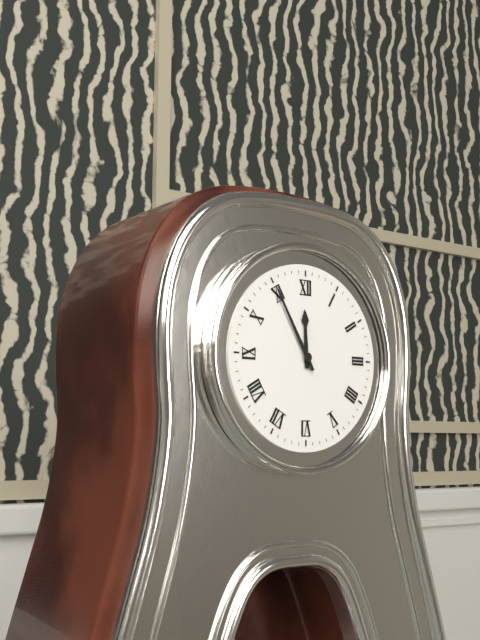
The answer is {"hour": 11, "minute": 55}
